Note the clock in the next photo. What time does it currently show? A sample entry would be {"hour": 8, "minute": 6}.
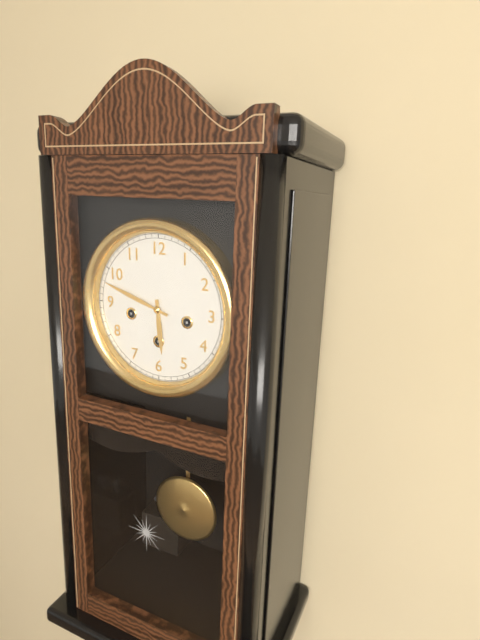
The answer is {"hour": 5, "minute": 48}
